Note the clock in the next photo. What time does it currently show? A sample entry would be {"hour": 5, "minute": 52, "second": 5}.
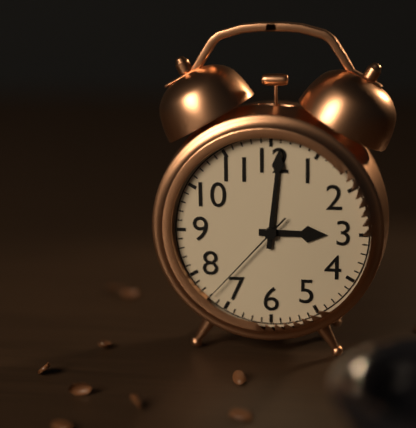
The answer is {"hour": 3, "minute": 1, "second": 37}
